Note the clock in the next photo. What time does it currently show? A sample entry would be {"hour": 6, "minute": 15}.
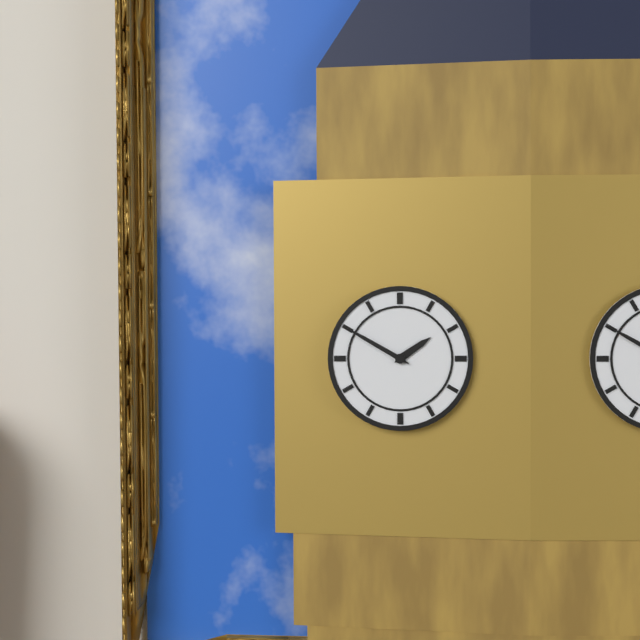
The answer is {"hour": 1, "minute": 50}
